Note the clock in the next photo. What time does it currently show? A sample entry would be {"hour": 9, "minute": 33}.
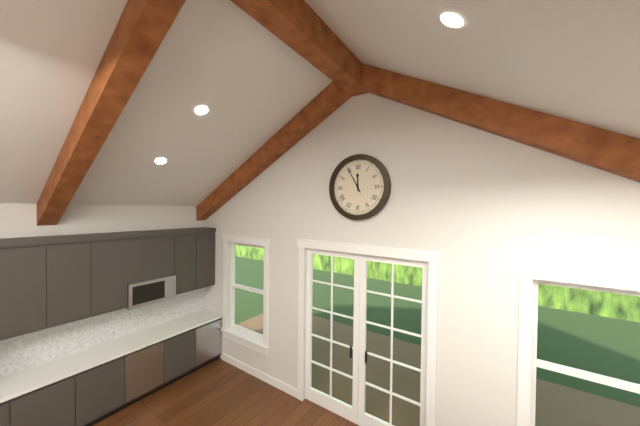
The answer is {"hour": 11, "minute": 55}
